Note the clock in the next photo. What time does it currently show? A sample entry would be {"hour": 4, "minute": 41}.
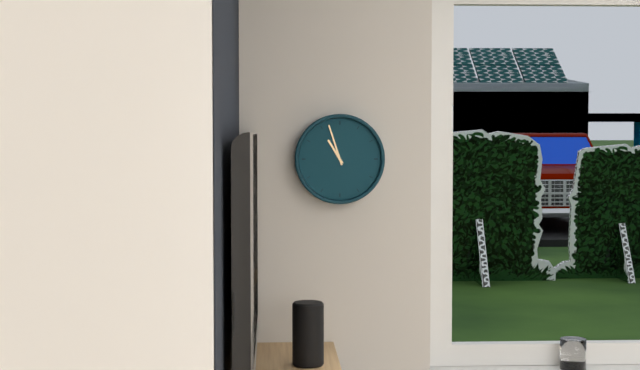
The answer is {"hour": 10, "minute": 57}
